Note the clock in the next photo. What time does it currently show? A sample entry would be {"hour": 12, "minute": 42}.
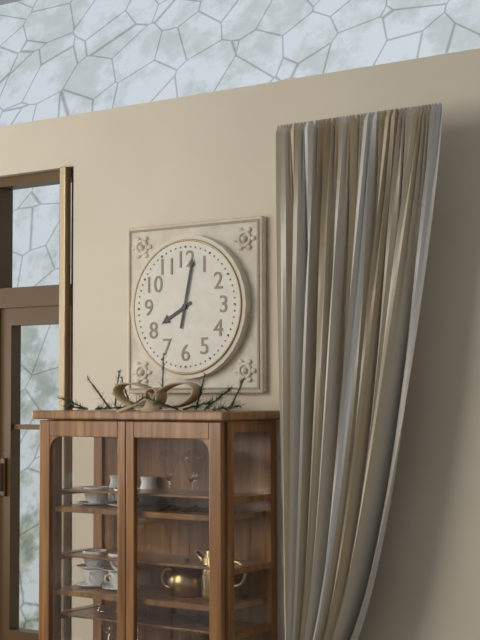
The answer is {"hour": 8, "minute": 2}
